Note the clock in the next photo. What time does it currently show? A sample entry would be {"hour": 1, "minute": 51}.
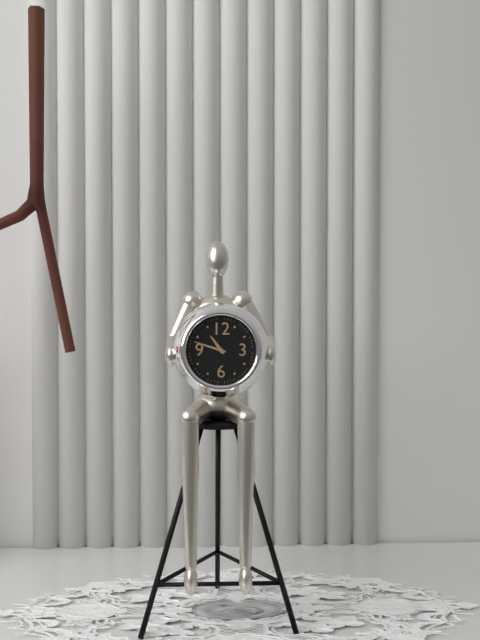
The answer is {"hour": 10, "minute": 48}
